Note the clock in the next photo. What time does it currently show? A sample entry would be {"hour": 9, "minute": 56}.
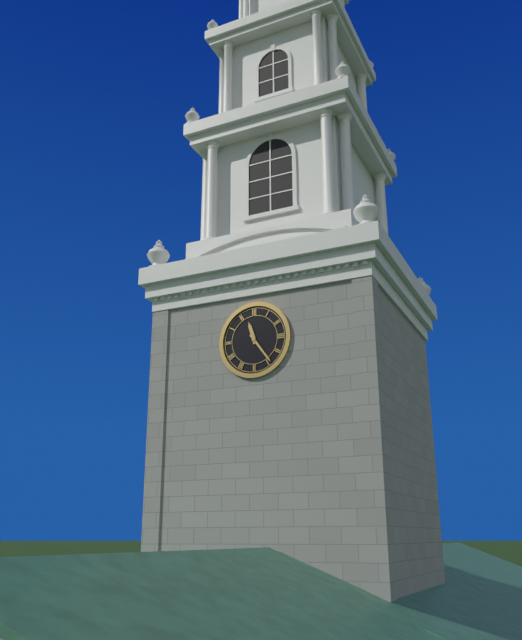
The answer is {"hour": 11, "minute": 24}
